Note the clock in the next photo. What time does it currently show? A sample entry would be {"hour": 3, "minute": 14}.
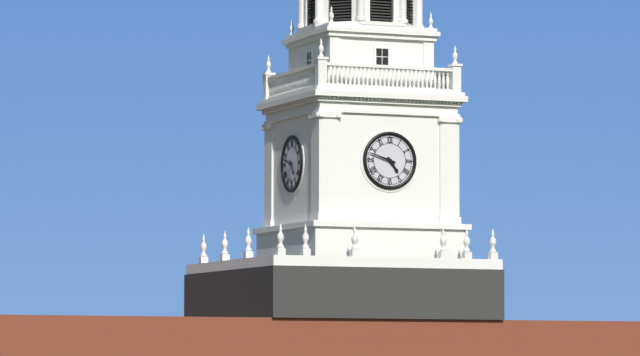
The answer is {"hour": 4, "minute": 48}
